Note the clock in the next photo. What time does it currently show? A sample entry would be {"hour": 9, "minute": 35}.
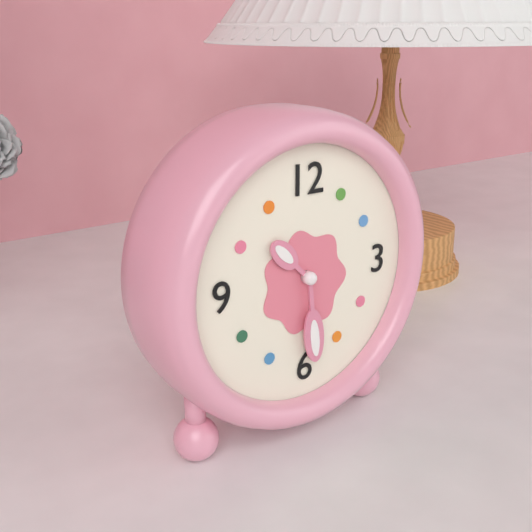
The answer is {"hour": 10, "minute": 29}
